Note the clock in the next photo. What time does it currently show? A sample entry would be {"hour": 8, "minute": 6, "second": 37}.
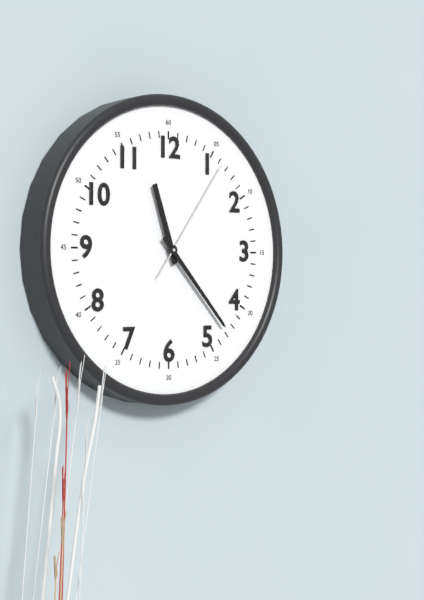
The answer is {"hour": 11, "minute": 23, "second": 6}
